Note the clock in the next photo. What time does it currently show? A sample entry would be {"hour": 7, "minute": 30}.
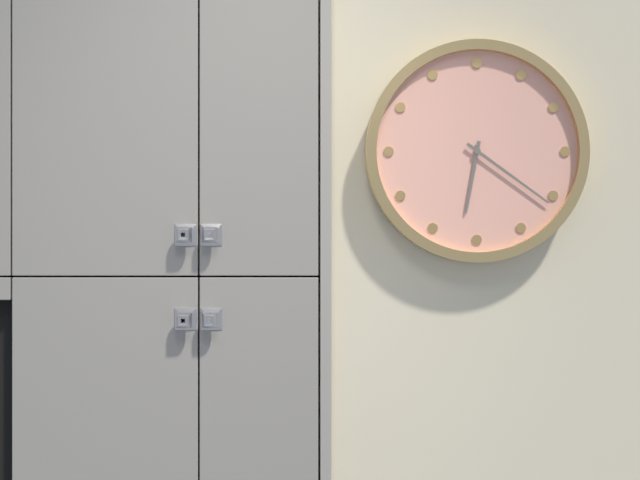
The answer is {"hour": 6, "minute": 21}
